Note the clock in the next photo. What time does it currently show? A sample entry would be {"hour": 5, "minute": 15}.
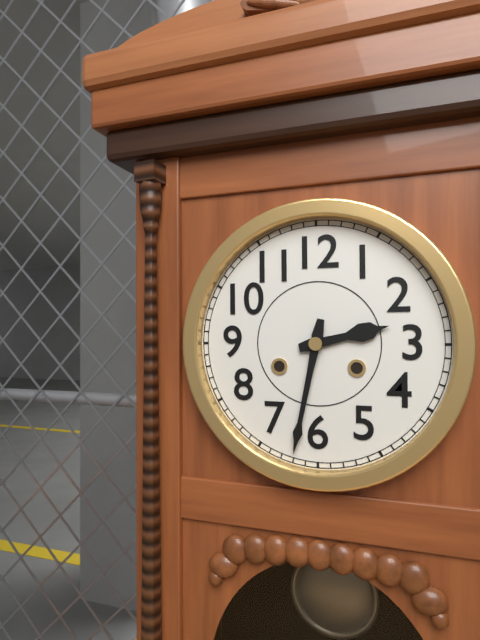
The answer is {"hour": 2, "minute": 32}
